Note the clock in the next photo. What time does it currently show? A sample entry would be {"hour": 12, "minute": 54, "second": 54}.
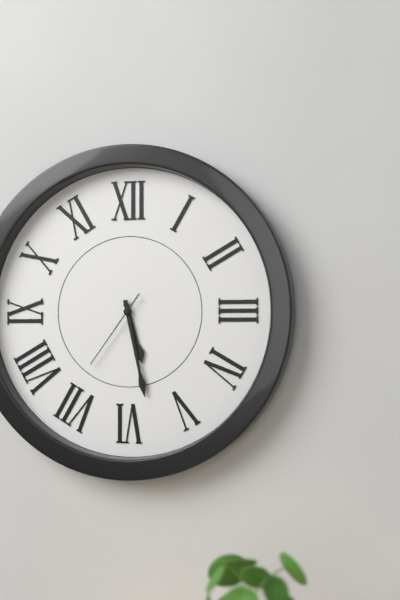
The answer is {"hour": 5, "minute": 28, "second": 36}
